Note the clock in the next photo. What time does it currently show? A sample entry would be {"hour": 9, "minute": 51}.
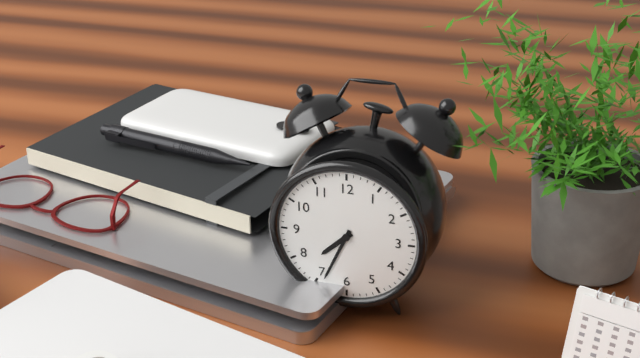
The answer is {"hour": 7, "minute": 34}
